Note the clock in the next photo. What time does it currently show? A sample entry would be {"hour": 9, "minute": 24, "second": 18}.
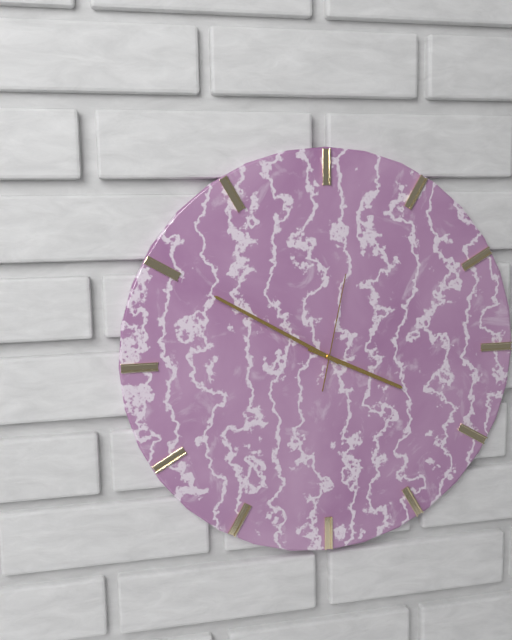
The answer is {"hour": 3, "minute": 50, "second": 2}
